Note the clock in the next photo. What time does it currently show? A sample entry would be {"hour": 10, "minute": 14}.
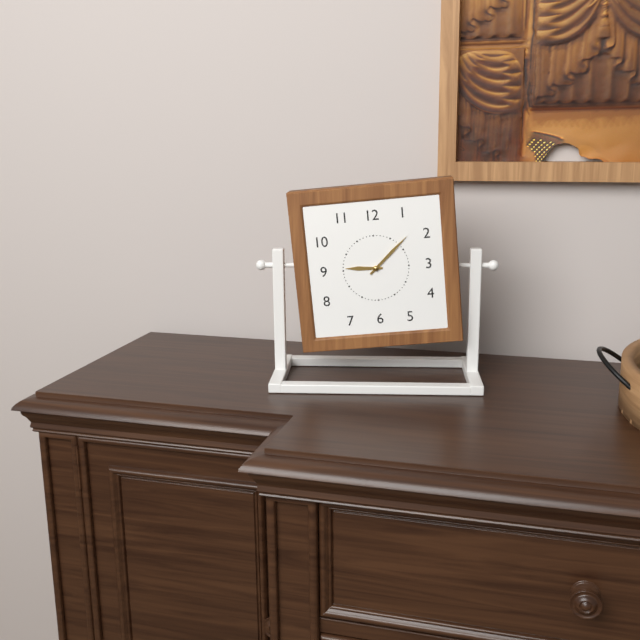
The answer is {"hour": 9, "minute": 8}
